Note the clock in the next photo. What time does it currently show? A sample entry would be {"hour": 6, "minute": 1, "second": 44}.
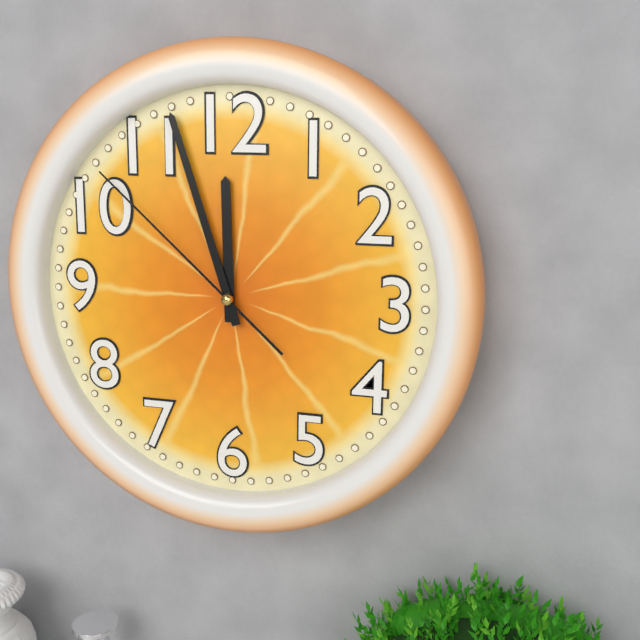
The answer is {"hour": 11, "minute": 57, "second": 52}
